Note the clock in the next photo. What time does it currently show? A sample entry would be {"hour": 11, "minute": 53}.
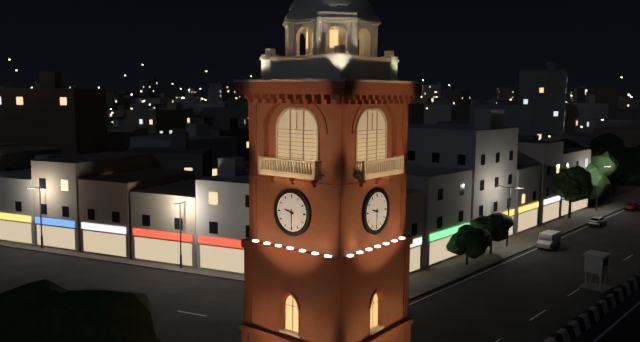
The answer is {"hour": 9, "minute": 30}
